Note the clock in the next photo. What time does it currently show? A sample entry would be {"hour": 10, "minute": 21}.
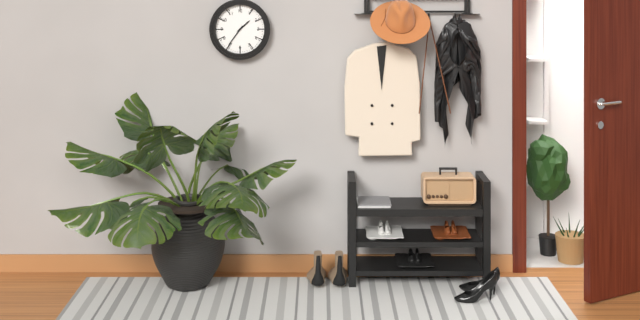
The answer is {"hour": 1, "minute": 36}
